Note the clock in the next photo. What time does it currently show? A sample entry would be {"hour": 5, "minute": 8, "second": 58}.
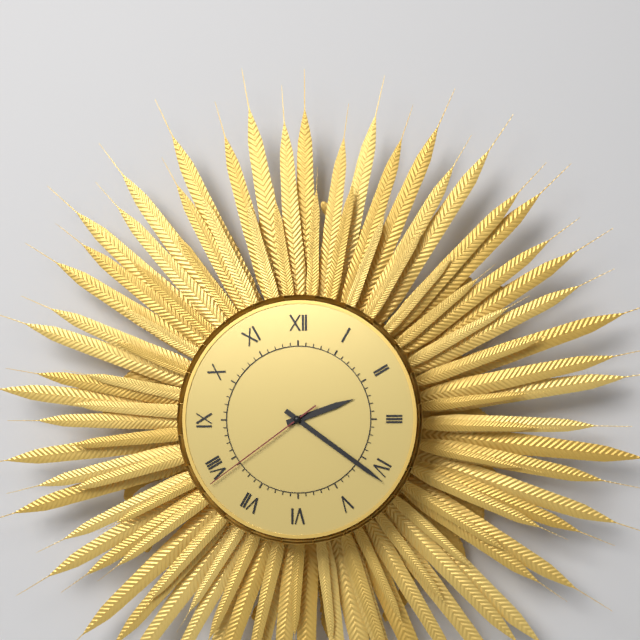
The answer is {"hour": 2, "minute": 21, "second": 39}
